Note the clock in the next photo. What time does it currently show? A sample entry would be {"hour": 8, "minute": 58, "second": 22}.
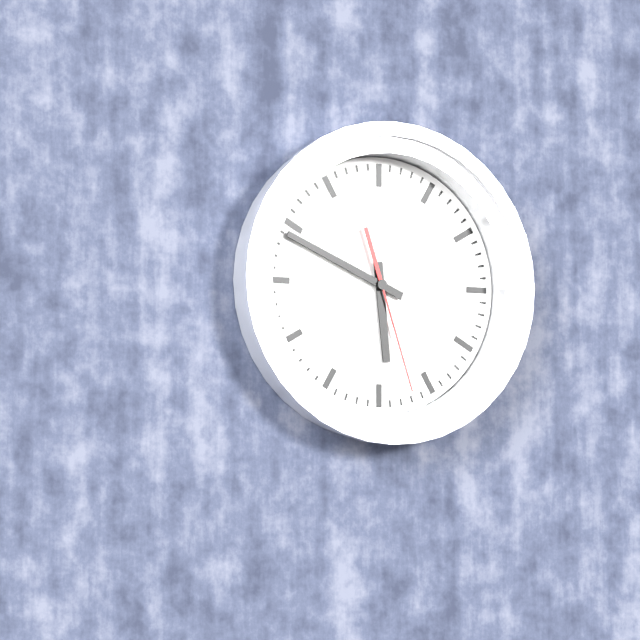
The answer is {"hour": 5, "minute": 49, "second": 27}
